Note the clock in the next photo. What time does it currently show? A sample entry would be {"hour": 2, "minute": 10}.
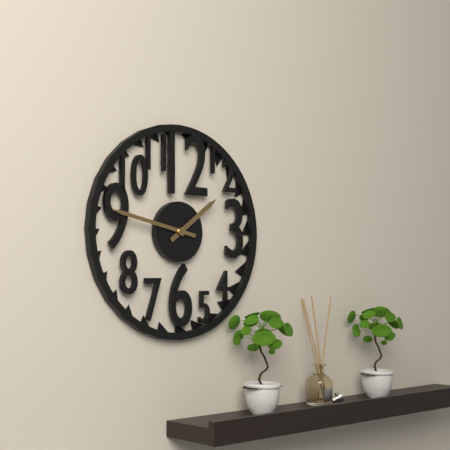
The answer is {"hour": 1, "minute": 47}
